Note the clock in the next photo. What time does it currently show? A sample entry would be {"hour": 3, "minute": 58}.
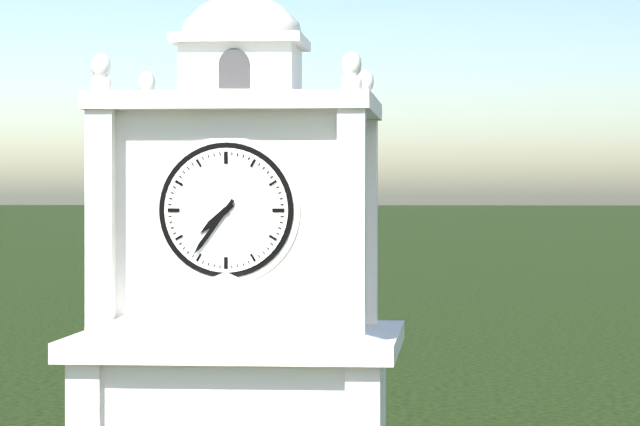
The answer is {"hour": 7, "minute": 36}
